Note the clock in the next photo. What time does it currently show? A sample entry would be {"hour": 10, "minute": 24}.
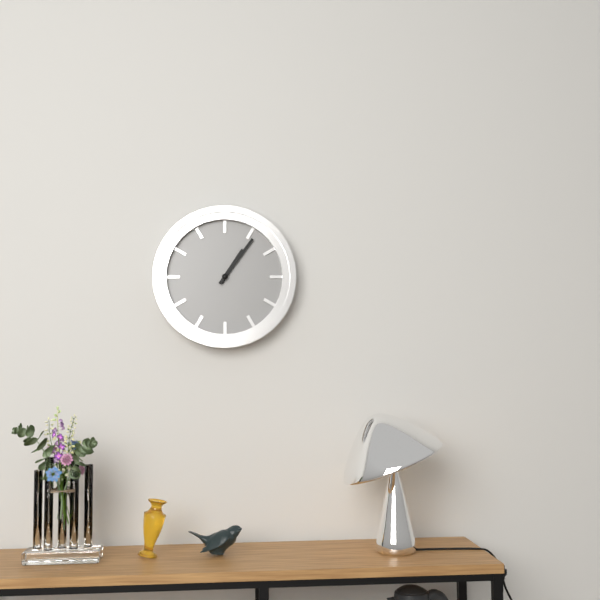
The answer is {"hour": 1, "minute": 6}
